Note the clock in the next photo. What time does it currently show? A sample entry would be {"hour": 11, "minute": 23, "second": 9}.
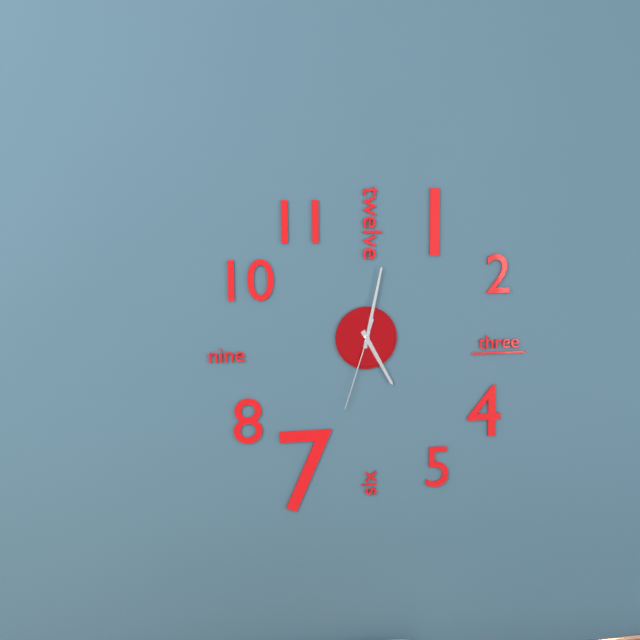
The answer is {"hour": 5, "minute": 2, "second": 33}
